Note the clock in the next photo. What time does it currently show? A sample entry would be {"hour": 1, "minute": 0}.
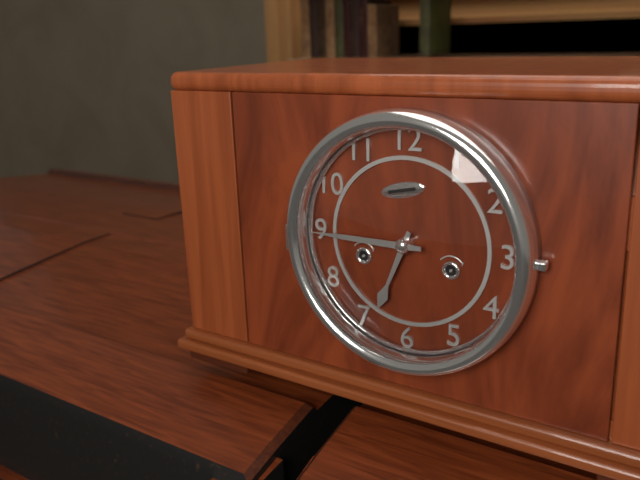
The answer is {"hour": 6, "minute": 45}
